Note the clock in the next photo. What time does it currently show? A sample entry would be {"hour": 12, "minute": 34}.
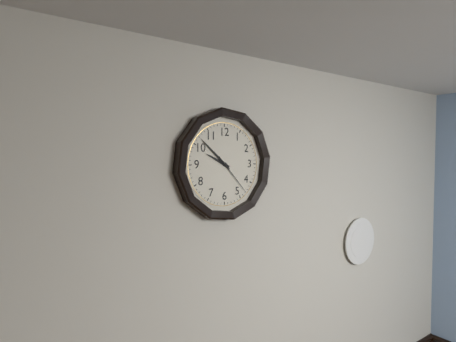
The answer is {"hour": 9, "minute": 52}
